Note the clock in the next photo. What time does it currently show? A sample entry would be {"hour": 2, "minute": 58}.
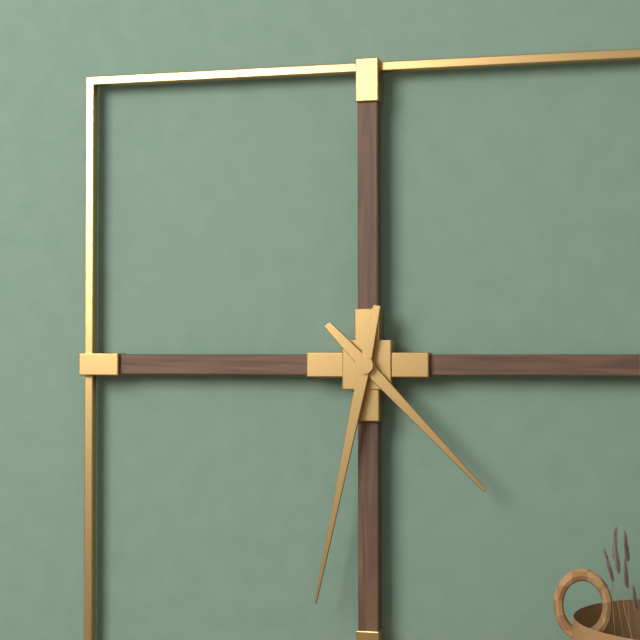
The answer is {"hour": 4, "minute": 32}
